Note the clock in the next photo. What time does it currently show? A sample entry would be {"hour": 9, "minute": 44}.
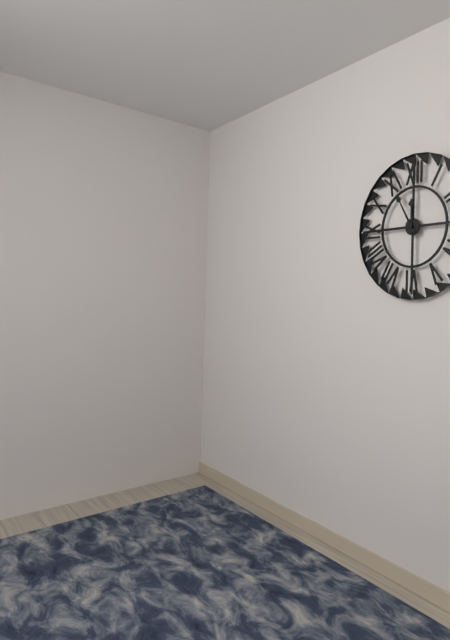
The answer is {"hour": 11, "minute": 55}
